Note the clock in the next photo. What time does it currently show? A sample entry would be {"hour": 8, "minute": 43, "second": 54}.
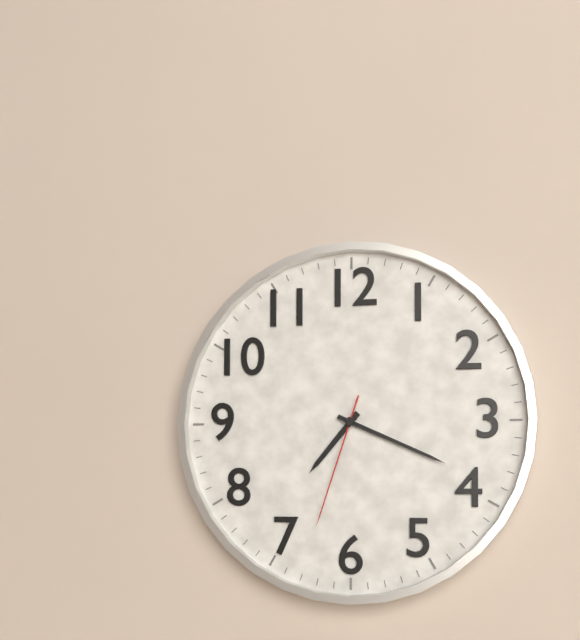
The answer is {"hour": 7, "minute": 19, "second": 33}
